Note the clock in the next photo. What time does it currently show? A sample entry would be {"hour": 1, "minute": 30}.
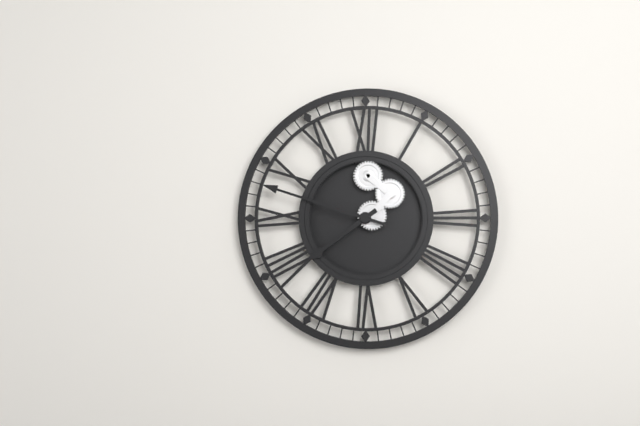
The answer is {"hour": 7, "minute": 48}
